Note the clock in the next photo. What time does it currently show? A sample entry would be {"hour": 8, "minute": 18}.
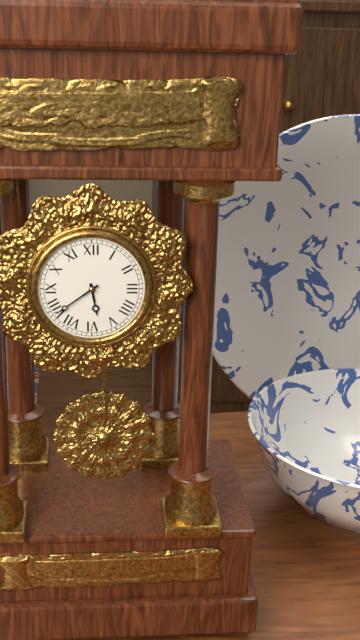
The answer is {"hour": 5, "minute": 39}
